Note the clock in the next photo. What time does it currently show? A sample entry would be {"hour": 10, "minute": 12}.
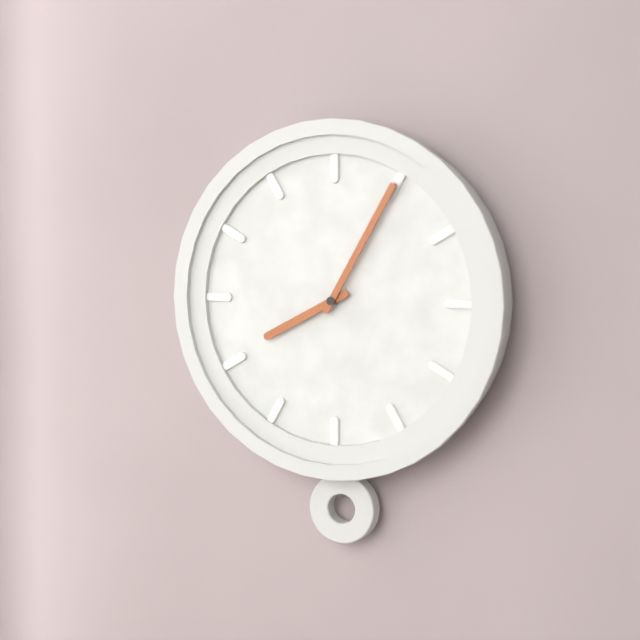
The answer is {"hour": 8, "minute": 5}
